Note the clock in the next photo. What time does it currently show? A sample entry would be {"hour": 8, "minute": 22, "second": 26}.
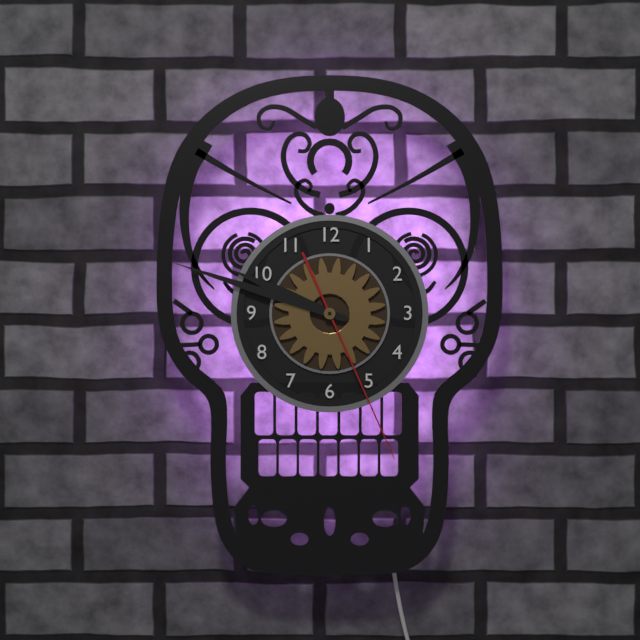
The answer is {"hour": 9, "minute": 48, "second": 26}
